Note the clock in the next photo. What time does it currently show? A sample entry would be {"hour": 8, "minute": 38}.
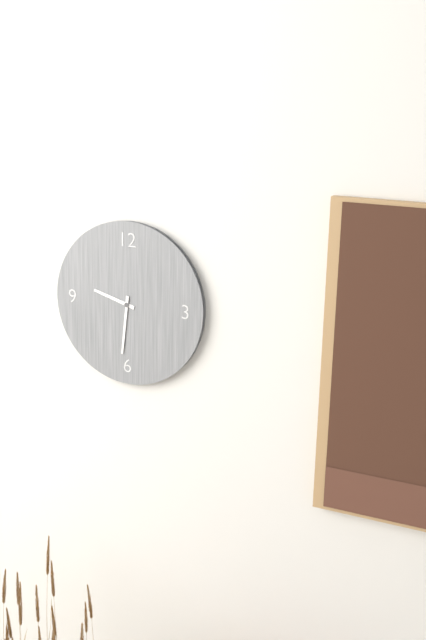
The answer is {"hour": 9, "minute": 31}
